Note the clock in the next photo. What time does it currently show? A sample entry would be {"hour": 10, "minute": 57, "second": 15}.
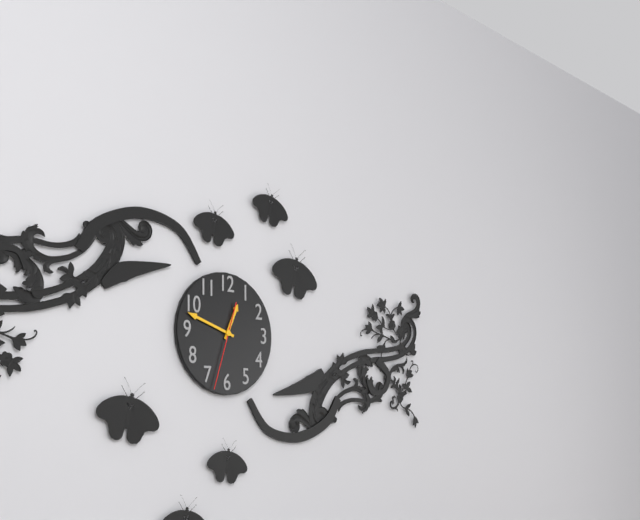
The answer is {"hour": 12, "minute": 48, "second": 33}
